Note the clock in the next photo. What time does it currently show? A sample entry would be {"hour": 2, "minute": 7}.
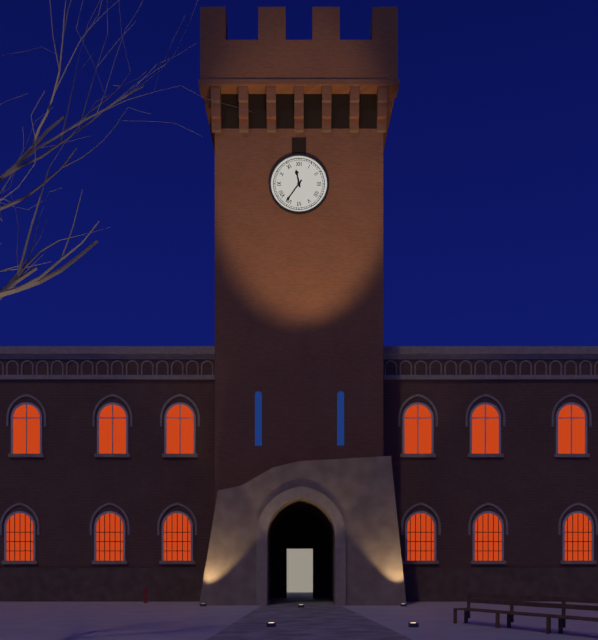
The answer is {"hour": 11, "minute": 36}
